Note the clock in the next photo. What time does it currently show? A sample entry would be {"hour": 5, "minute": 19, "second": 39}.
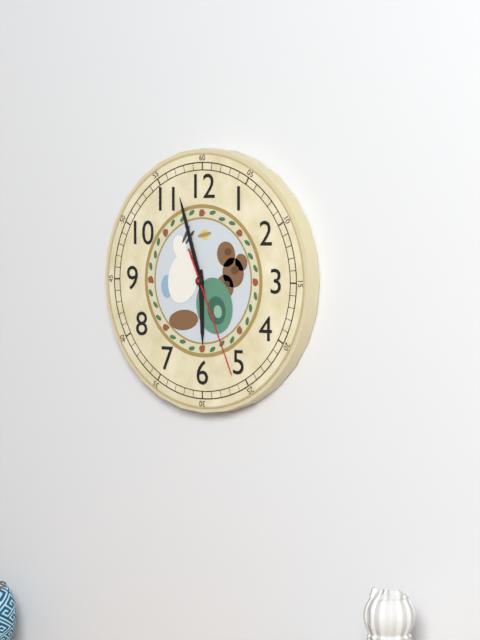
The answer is {"hour": 5, "minute": 57, "second": 26}
